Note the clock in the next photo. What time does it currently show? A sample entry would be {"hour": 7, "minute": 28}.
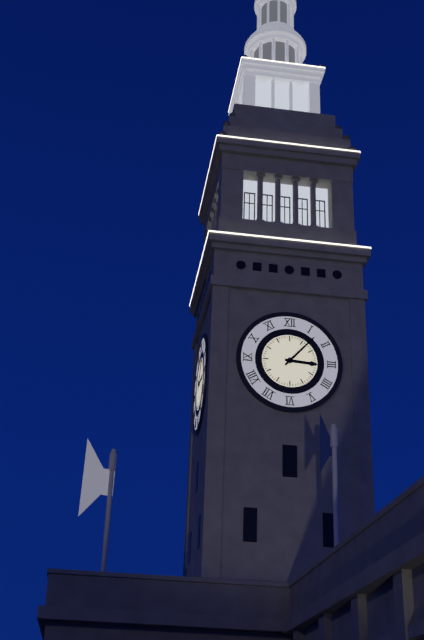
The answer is {"hour": 3, "minute": 7}
